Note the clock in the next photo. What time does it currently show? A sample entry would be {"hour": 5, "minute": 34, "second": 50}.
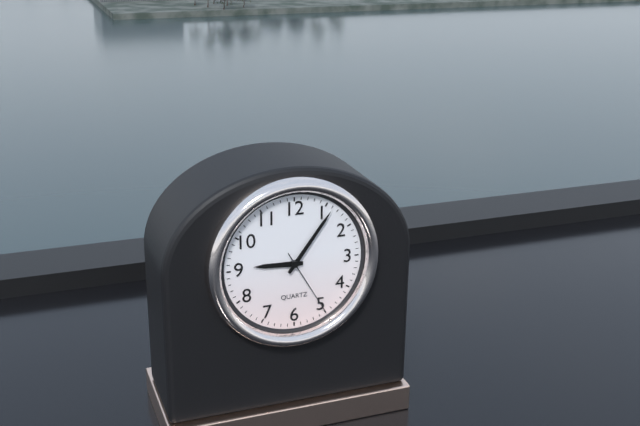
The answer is {"hour": 9, "minute": 6, "second": 25}
